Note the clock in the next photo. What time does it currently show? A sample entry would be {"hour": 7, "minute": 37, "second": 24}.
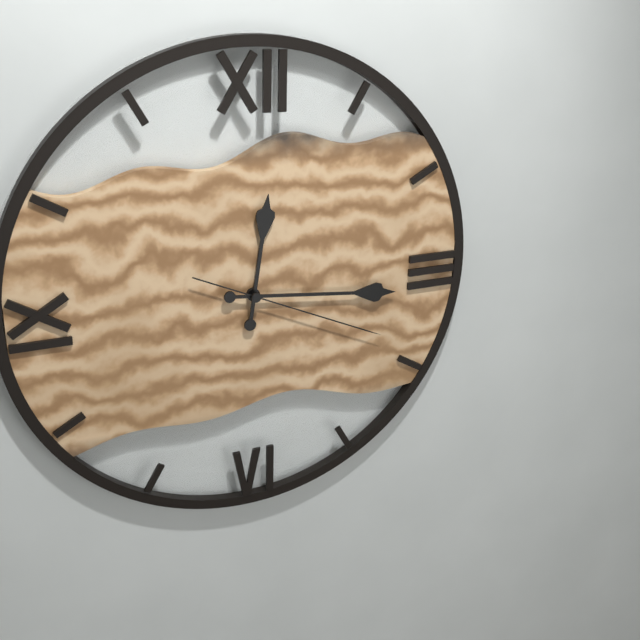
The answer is {"hour": 12, "minute": 16, "second": 19}
